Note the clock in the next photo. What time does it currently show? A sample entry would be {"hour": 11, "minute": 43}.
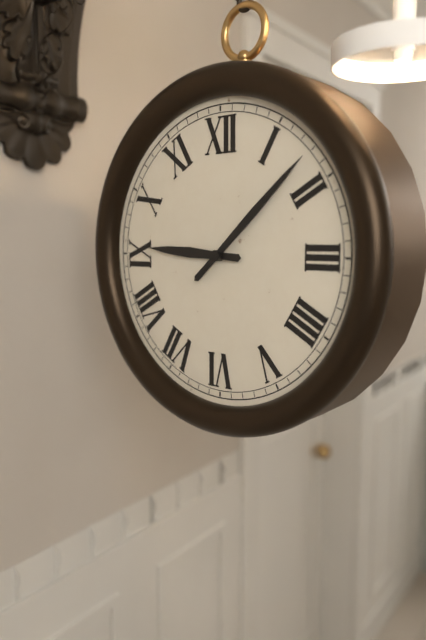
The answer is {"hour": 9, "minute": 8}
